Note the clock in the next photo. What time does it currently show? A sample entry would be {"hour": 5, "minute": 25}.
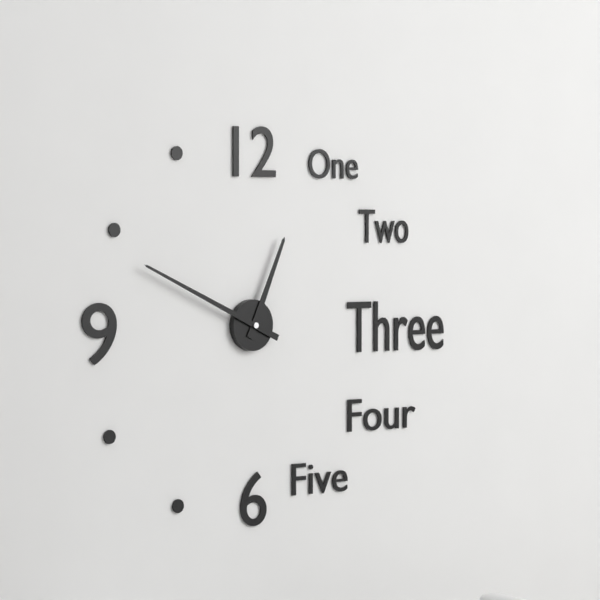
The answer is {"hour": 12, "minute": 49}
